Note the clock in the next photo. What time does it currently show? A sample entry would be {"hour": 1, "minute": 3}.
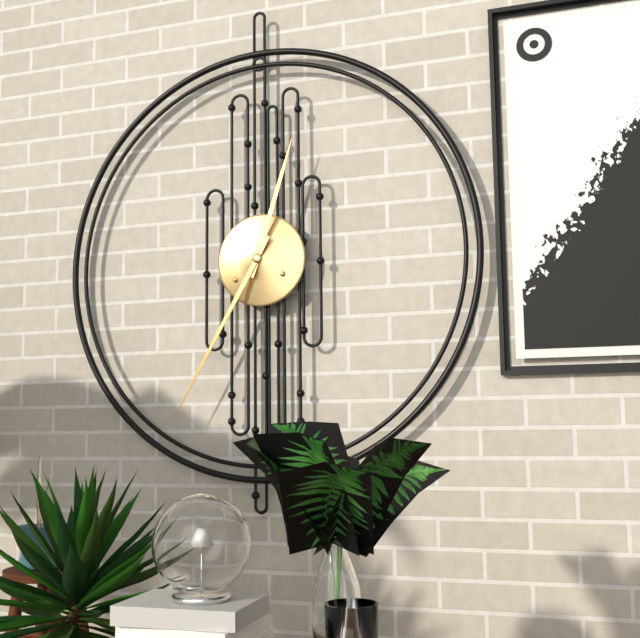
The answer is {"hour": 12, "minute": 35}
